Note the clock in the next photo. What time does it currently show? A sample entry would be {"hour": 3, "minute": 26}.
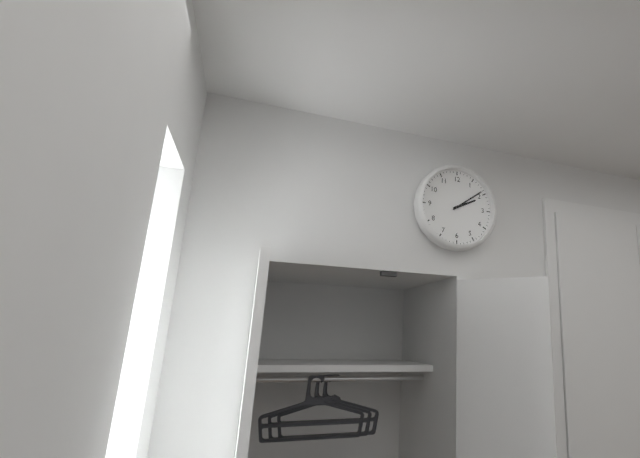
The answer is {"hour": 2, "minute": 9}
